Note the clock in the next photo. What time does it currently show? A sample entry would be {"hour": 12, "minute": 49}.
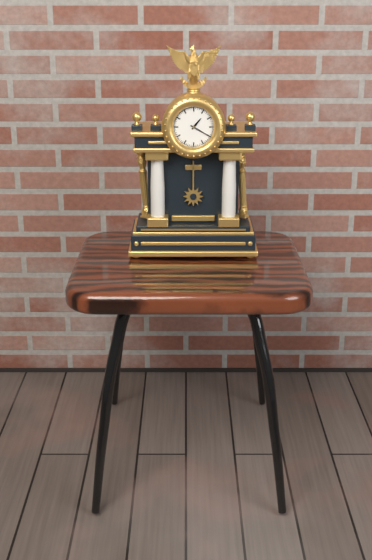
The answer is {"hour": 1, "minute": 20}
